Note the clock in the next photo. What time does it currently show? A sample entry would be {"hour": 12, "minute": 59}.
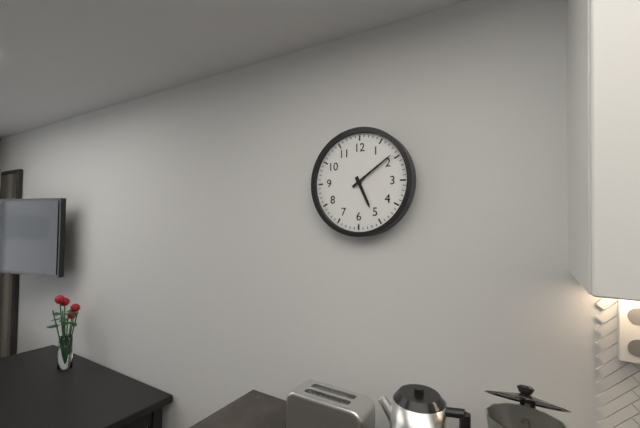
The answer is {"hour": 5, "minute": 9}
